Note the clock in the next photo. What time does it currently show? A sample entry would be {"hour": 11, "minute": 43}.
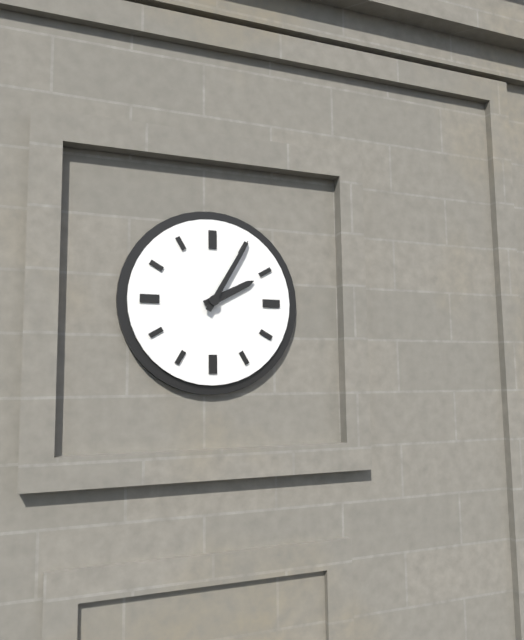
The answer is {"hour": 2, "minute": 5}
